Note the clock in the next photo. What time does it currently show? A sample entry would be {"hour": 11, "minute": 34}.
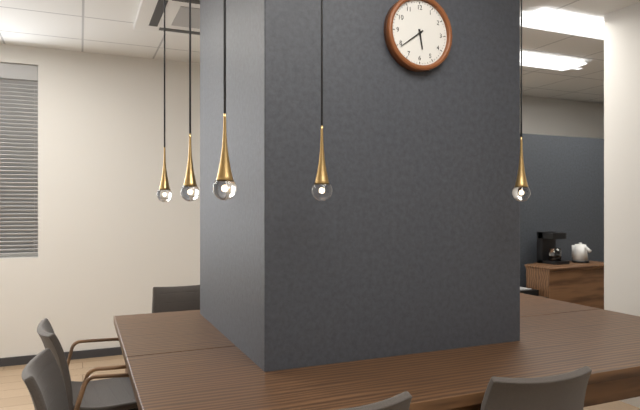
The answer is {"hour": 5, "minute": 39}
